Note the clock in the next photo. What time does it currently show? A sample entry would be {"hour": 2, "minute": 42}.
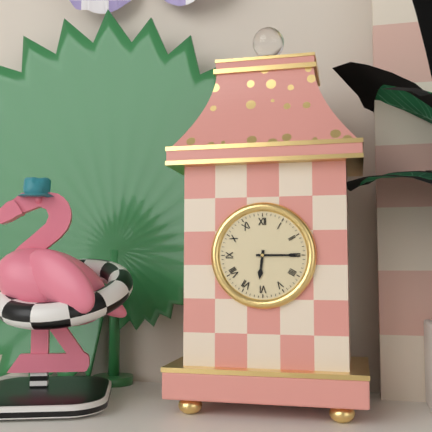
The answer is {"hour": 6, "minute": 15}
